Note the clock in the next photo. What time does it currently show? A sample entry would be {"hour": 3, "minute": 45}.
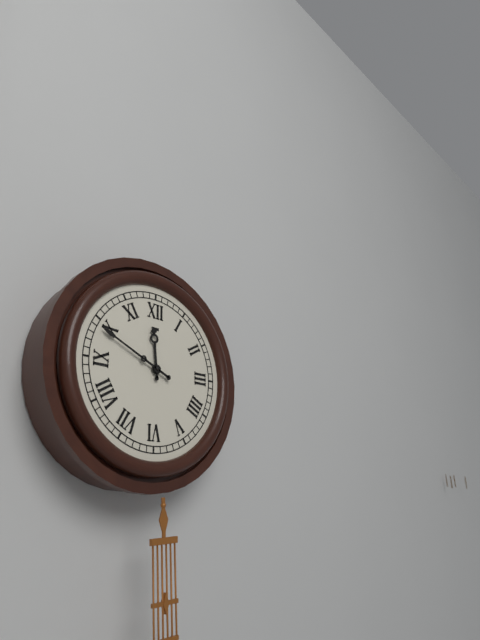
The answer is {"hour": 11, "minute": 49}
